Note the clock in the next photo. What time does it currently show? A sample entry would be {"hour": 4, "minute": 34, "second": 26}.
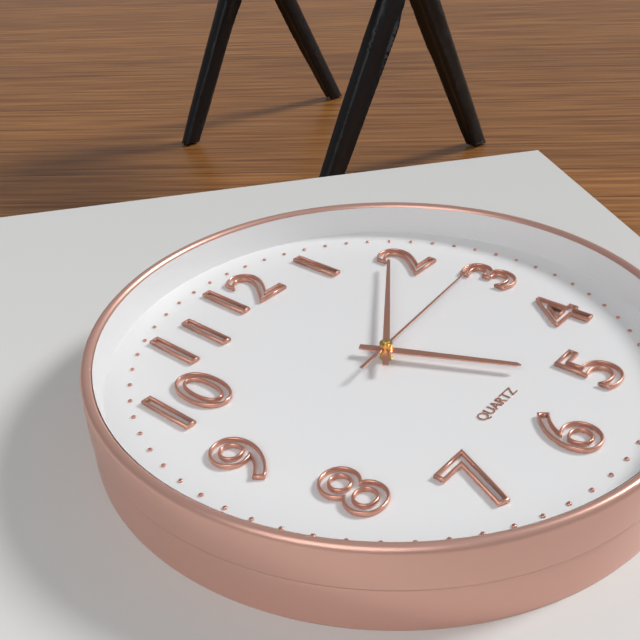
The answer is {"hour": 5, "minute": 9, "second": 14}
